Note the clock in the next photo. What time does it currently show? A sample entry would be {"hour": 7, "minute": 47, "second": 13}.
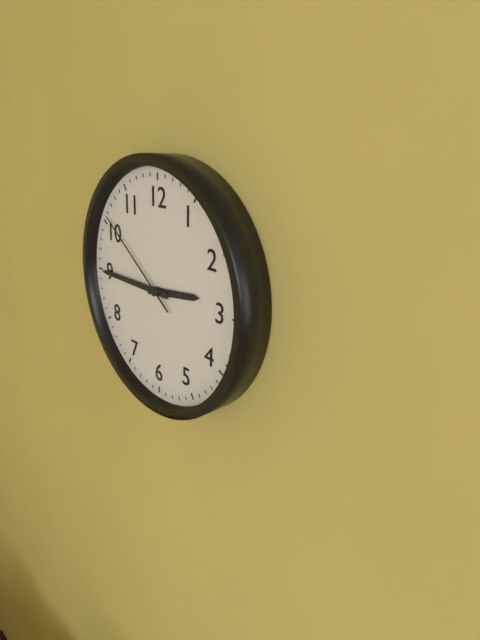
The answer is {"hour": 2, "minute": 45, "second": 51}
